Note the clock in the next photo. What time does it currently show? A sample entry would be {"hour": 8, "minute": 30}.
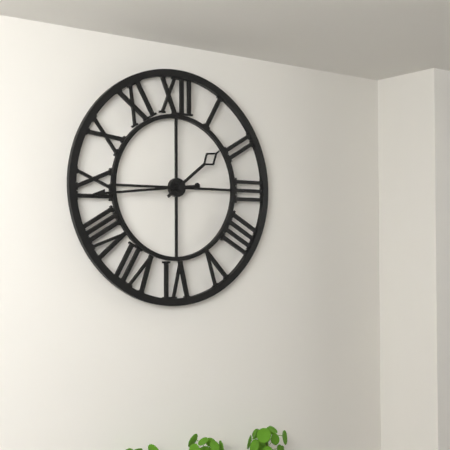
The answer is {"hour": 1, "minute": 44}
